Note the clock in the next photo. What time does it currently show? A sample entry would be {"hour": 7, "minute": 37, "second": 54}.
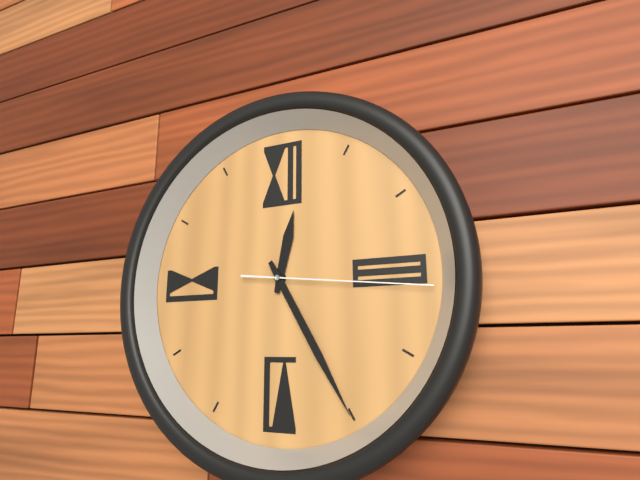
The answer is {"hour": 12, "minute": 25, "second": 16}
